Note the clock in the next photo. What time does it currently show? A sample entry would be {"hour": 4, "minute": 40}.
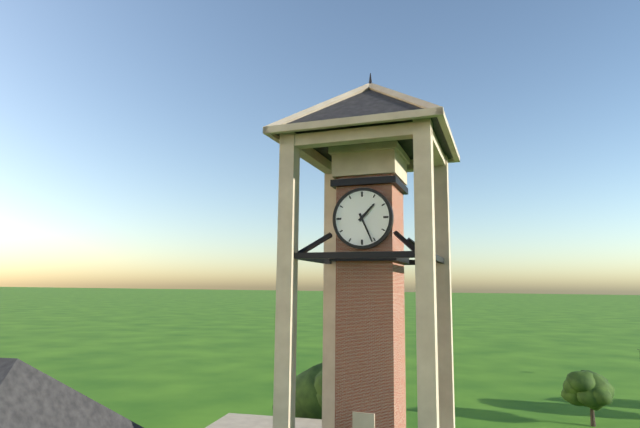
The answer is {"hour": 1, "minute": 26}
